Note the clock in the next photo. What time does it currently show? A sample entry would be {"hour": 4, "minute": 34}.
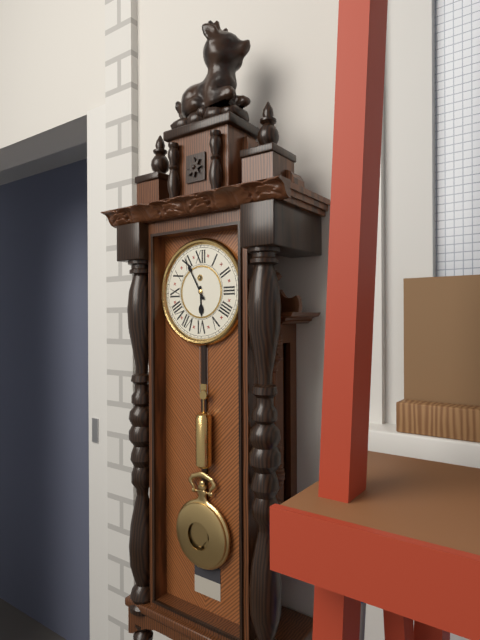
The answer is {"hour": 5, "minute": 55}
